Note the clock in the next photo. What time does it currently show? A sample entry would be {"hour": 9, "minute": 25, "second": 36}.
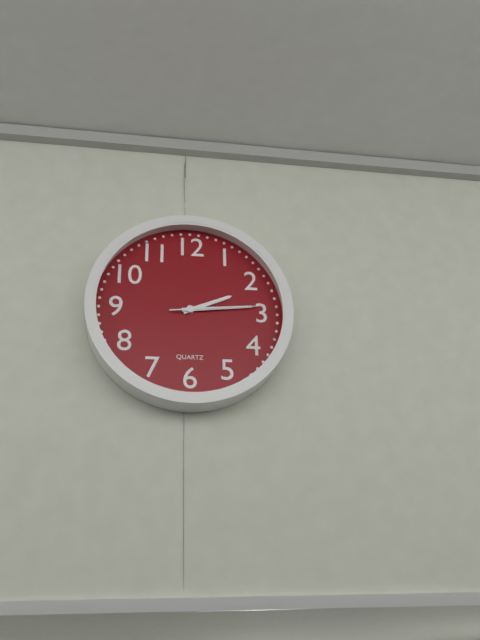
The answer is {"hour": 2, "minute": 14, "second": 14}
